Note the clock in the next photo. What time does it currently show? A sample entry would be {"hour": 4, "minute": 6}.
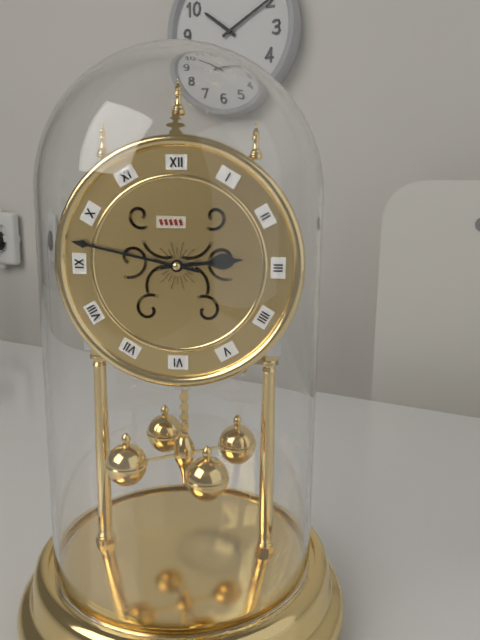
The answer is {"hour": 2, "minute": 47}
